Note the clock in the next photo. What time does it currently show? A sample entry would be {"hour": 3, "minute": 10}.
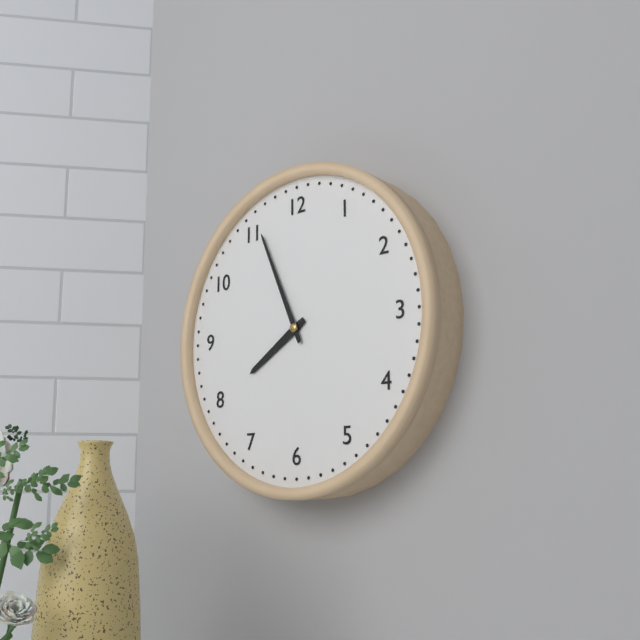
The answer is {"hour": 7, "minute": 56}
